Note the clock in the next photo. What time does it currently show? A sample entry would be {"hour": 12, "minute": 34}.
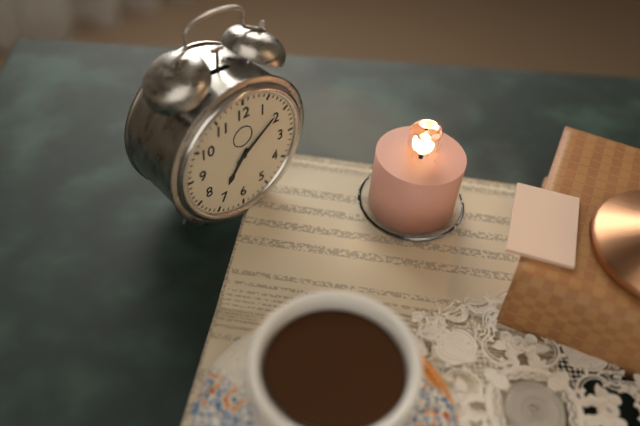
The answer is {"hour": 7, "minute": 9}
